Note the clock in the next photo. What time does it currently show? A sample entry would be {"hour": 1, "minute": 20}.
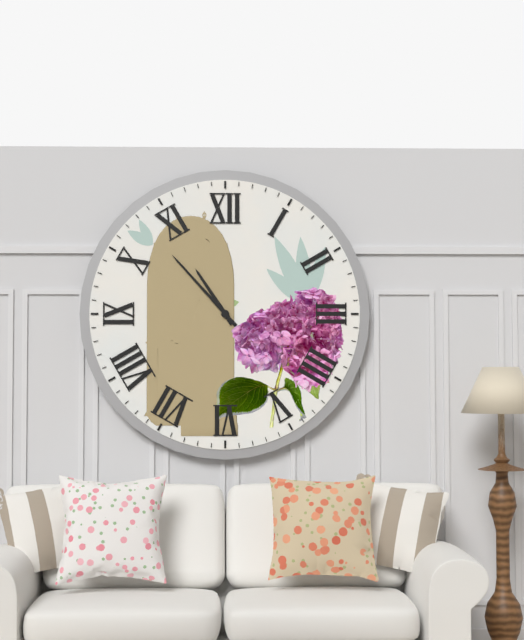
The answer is {"hour": 10, "minute": 53}
